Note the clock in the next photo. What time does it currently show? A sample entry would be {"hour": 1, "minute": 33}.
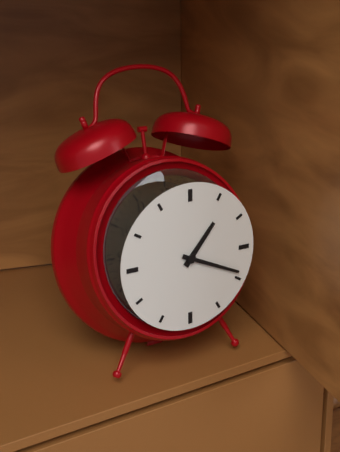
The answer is {"hour": 1, "minute": 19}
